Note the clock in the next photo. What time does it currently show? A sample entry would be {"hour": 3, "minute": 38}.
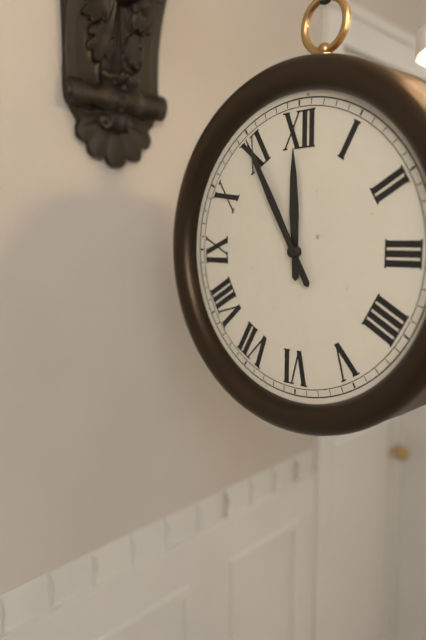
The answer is {"hour": 11, "minute": 55}
